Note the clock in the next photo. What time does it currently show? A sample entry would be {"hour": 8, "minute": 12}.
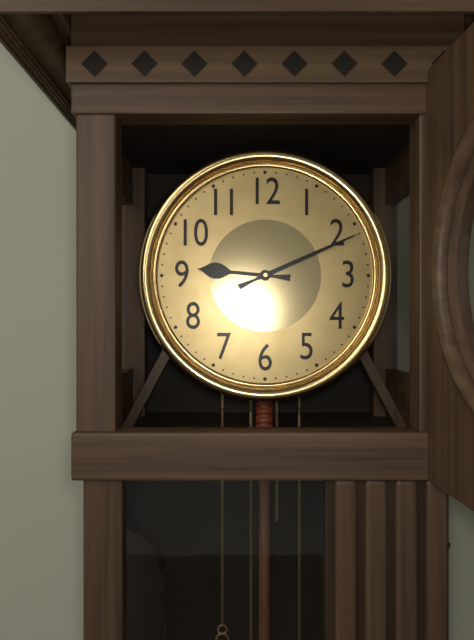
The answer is {"hour": 9, "minute": 11}
